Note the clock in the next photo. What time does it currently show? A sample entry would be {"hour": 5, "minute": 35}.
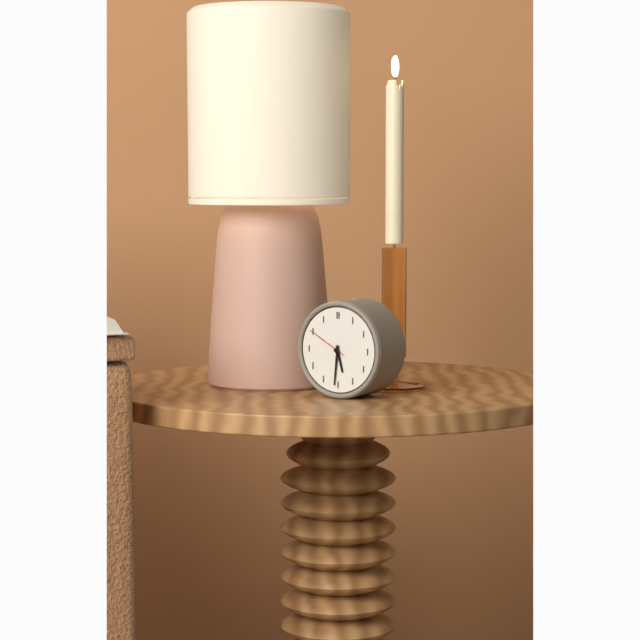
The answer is {"hour": 5, "minute": 31}
